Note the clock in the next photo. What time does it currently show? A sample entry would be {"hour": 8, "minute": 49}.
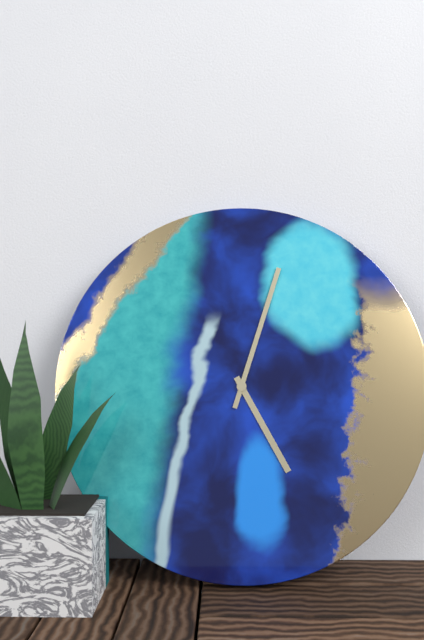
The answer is {"hour": 5, "minute": 3}
